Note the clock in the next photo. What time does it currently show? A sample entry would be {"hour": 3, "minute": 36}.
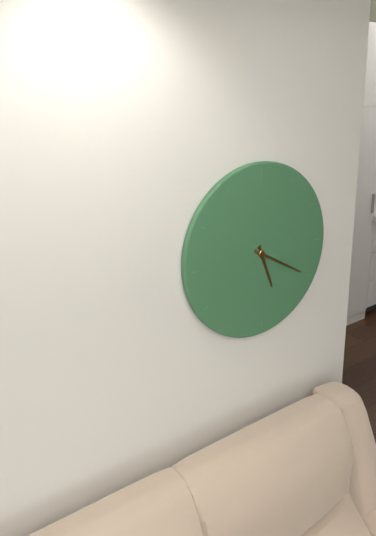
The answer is {"hour": 5, "minute": 20}
